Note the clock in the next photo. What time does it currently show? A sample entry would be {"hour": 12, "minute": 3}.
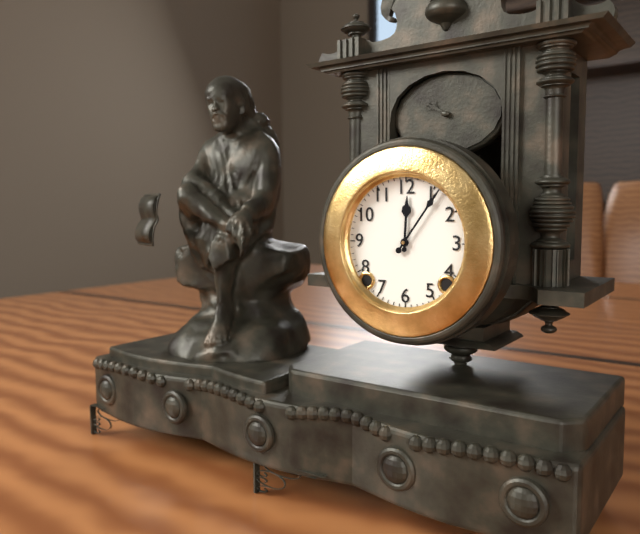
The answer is {"hour": 12, "minute": 6}
